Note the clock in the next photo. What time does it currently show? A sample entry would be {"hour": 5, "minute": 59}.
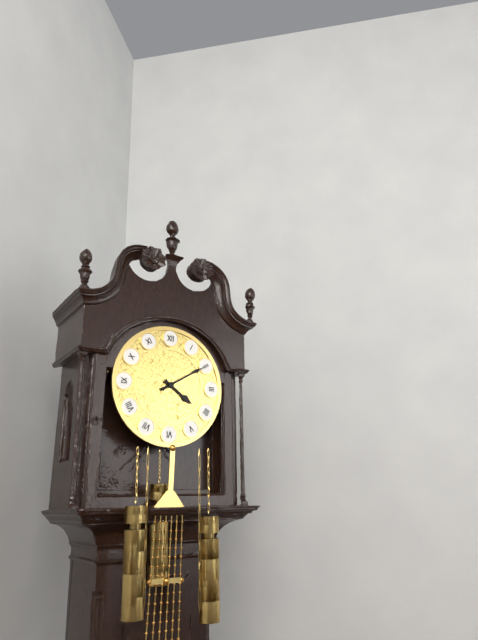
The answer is {"hour": 4, "minute": 10}
